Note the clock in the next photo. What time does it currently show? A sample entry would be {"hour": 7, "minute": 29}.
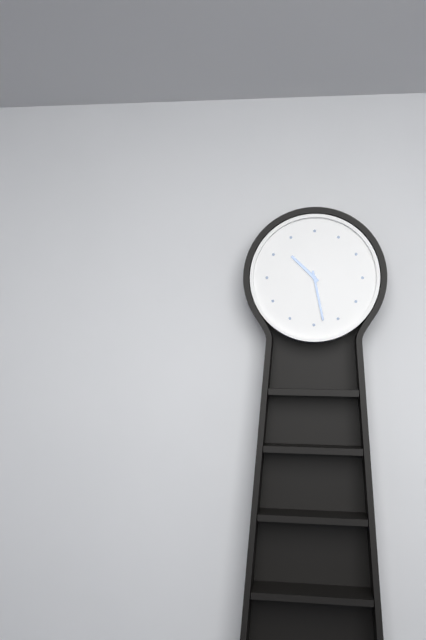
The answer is {"hour": 10, "minute": 28}
